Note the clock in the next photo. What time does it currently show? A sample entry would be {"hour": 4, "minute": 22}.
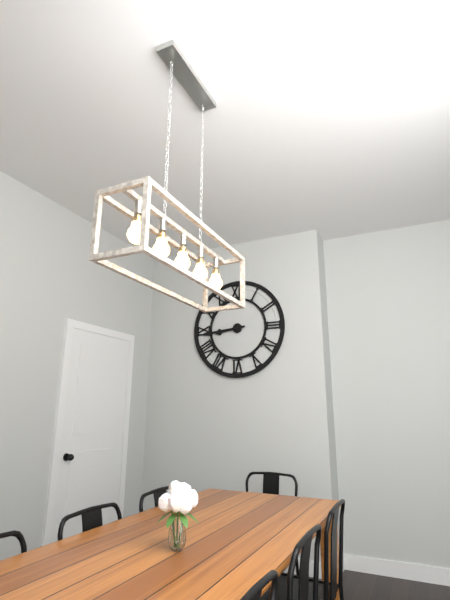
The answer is {"hour": 8, "minute": 44}
